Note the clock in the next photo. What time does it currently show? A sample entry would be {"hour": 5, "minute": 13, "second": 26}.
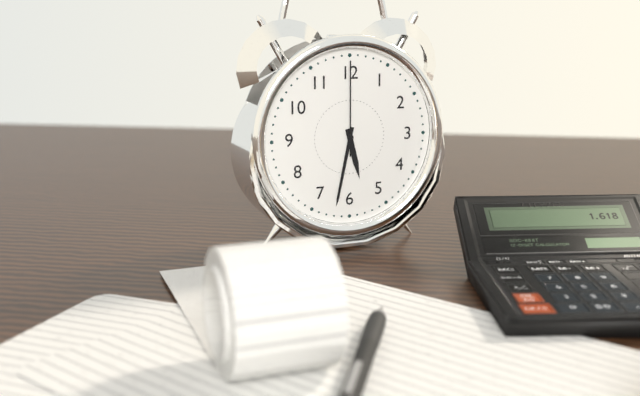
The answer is {"hour": 5, "minute": 32, "second": 0}
